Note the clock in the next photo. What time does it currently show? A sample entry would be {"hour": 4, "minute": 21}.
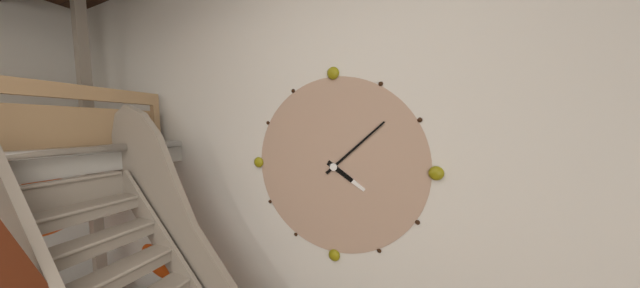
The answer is {"hour": 4, "minute": 8}
